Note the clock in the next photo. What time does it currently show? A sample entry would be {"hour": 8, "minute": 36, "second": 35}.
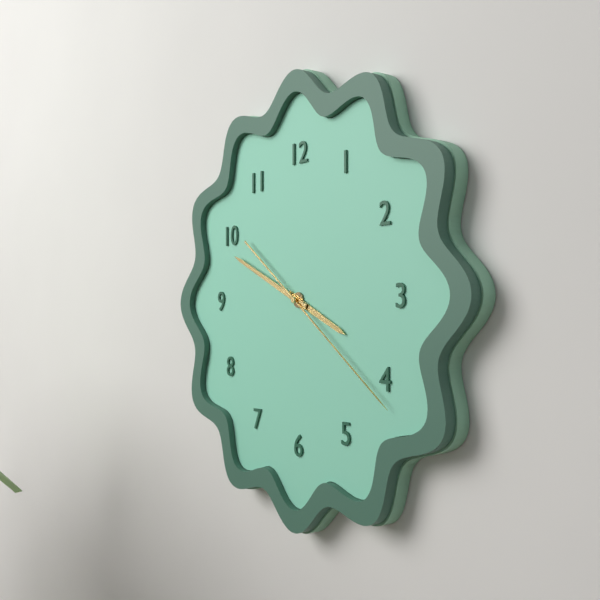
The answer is {"hour": 3, "minute": 49, "second": 21}
